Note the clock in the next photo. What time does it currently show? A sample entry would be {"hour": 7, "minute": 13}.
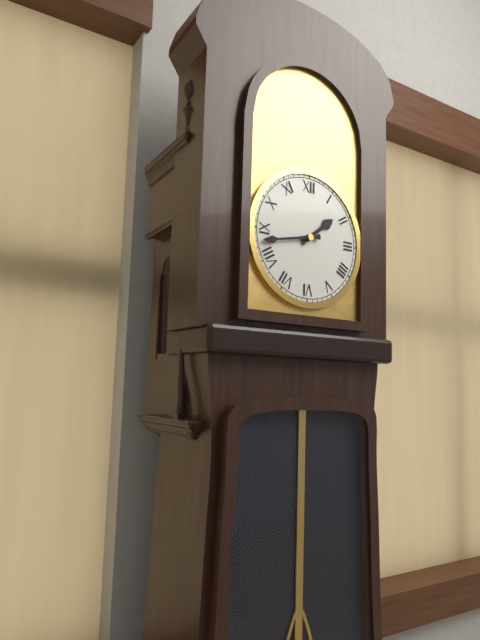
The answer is {"hour": 1, "minute": 43}
